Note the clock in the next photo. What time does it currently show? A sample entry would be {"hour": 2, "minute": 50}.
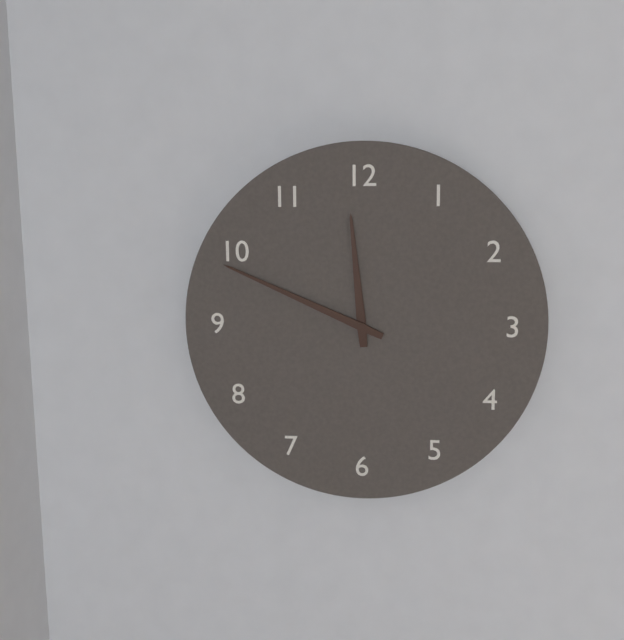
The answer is {"hour": 11, "minute": 49}
